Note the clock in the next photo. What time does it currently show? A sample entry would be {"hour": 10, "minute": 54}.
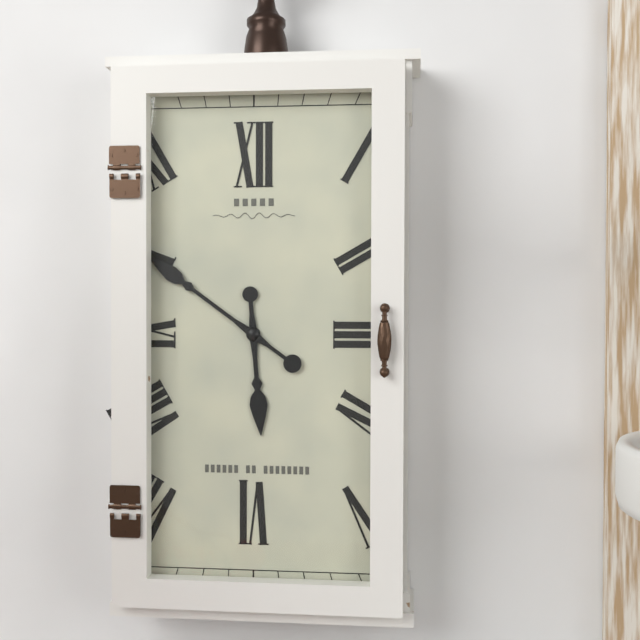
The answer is {"hour": 5, "minute": 51}
